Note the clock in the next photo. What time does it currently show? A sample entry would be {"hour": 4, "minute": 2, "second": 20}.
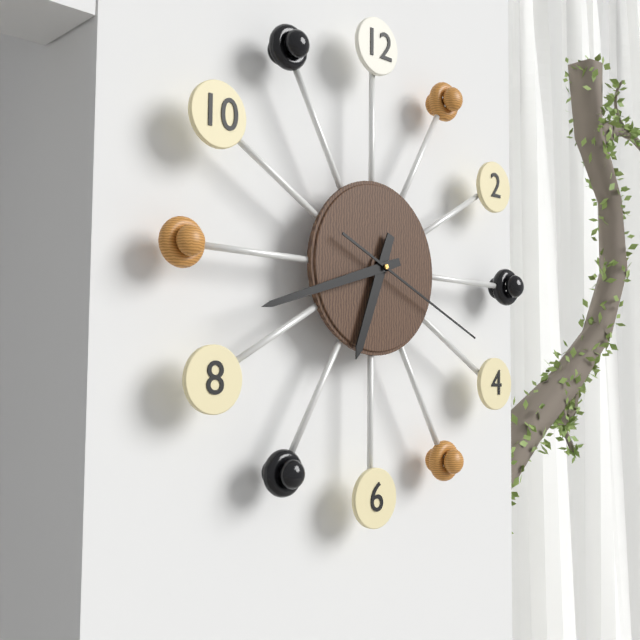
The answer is {"hour": 6, "minute": 42, "second": 19}
